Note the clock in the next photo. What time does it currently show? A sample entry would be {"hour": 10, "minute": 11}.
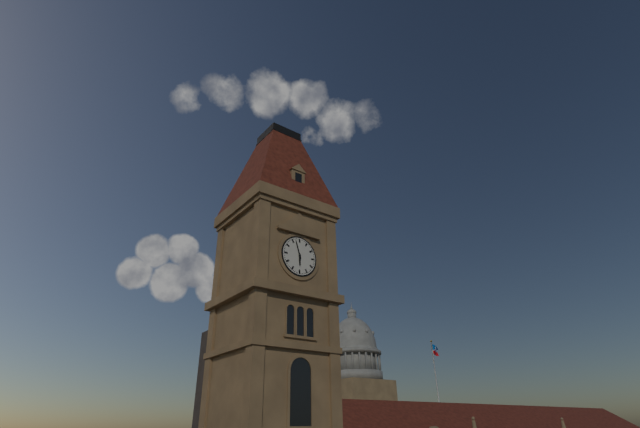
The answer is {"hour": 5, "minute": 57}
